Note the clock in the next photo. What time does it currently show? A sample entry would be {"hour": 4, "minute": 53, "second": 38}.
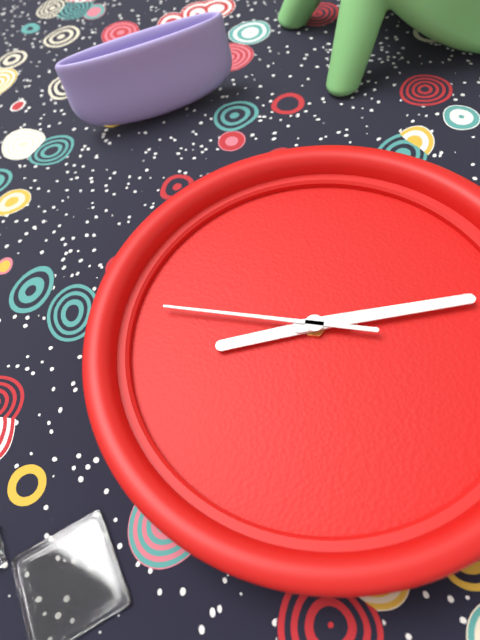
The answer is {"hour": 9, "minute": 17, "second": 50}
